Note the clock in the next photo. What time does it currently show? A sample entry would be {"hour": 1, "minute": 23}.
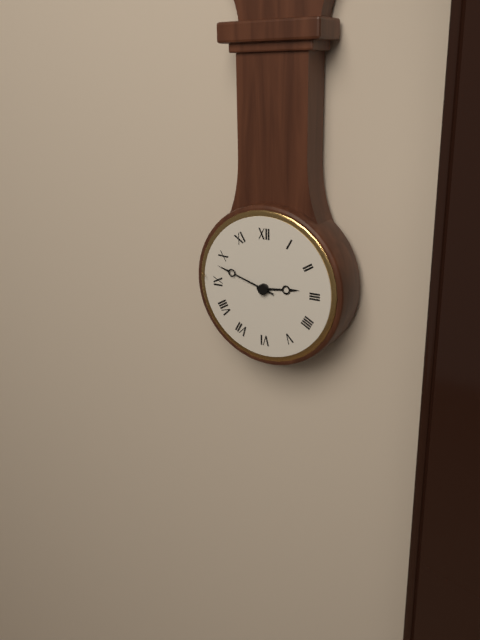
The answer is {"hour": 2, "minute": 48}
